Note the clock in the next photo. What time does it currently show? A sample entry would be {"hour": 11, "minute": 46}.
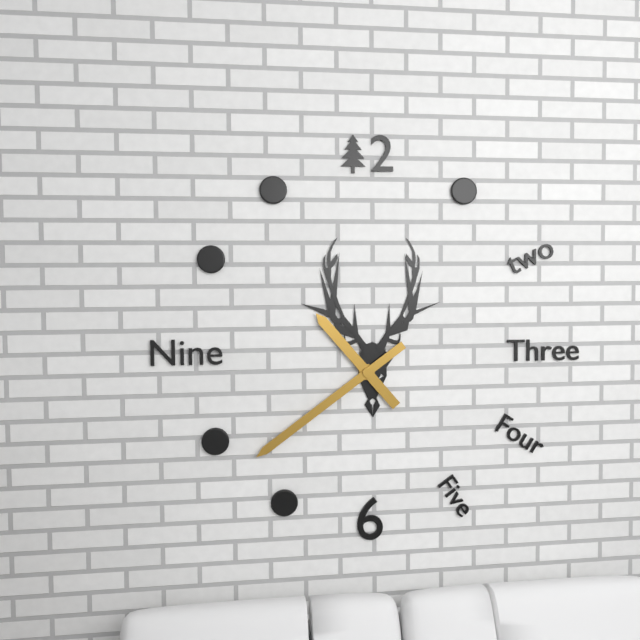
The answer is {"hour": 10, "minute": 39}
